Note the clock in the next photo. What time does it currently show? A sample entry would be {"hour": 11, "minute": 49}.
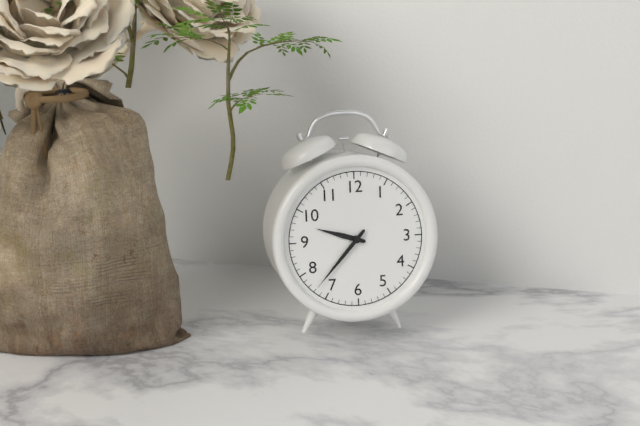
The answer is {"hour": 9, "minute": 37}
